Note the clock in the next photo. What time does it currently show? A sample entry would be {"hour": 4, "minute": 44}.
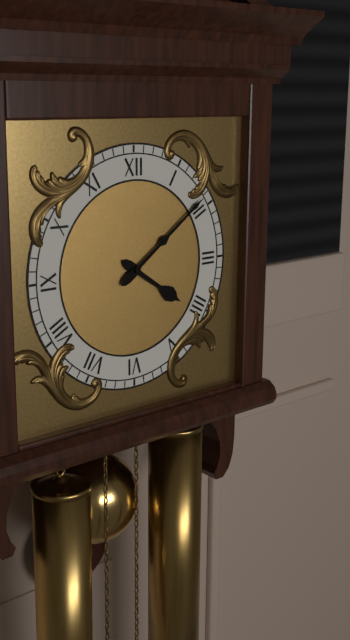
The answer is {"hour": 4, "minute": 9}
